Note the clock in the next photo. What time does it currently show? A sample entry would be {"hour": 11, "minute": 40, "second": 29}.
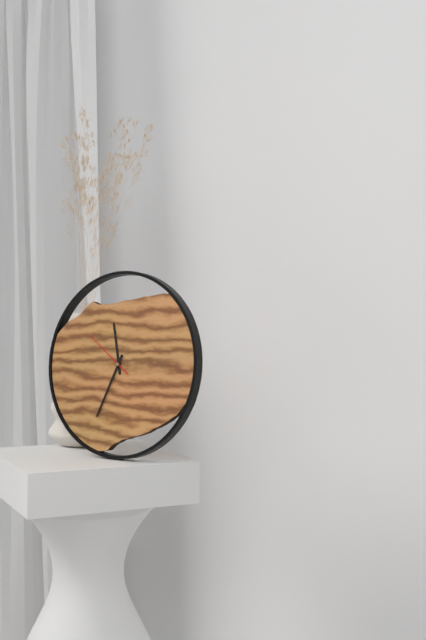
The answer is {"hour": 11, "minute": 34, "second": 51}
